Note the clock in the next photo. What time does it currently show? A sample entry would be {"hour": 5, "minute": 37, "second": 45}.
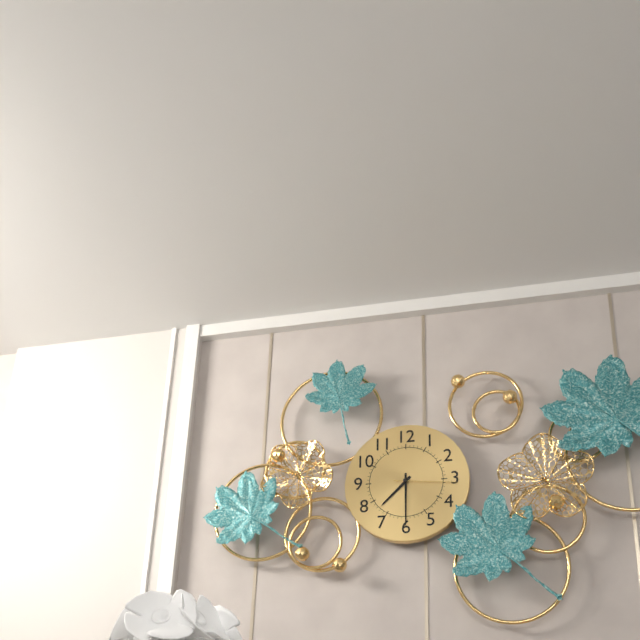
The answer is {"hour": 7, "minute": 30, "second": 16}
